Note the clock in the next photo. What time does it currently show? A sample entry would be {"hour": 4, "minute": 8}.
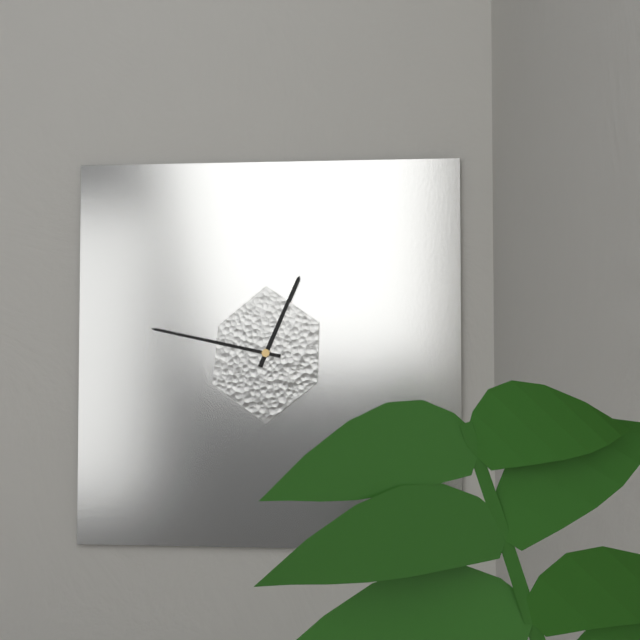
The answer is {"hour": 12, "minute": 47}
